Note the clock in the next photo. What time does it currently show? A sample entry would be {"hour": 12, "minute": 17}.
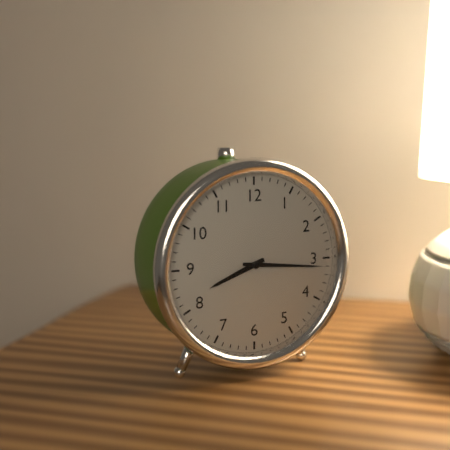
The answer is {"hour": 8, "minute": 16}
